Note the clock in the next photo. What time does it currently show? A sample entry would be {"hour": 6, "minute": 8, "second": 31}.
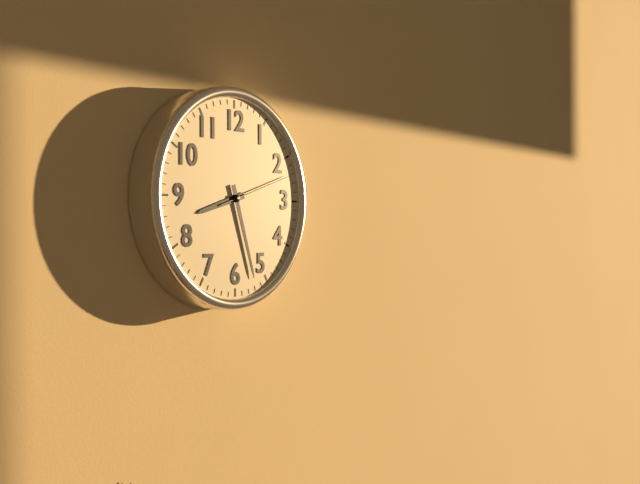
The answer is {"hour": 8, "minute": 27, "second": 12}
